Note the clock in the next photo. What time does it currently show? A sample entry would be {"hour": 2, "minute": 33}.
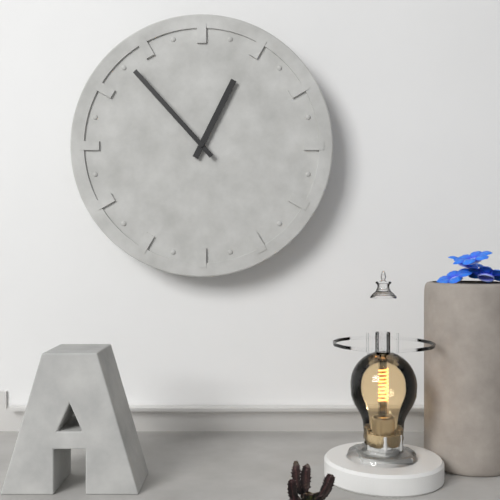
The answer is {"hour": 12, "minute": 53}
